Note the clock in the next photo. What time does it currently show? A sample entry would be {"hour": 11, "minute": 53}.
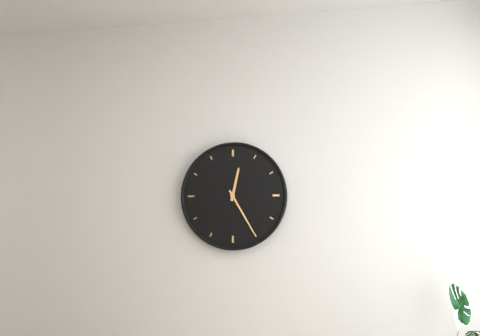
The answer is {"hour": 12, "minute": 25}
